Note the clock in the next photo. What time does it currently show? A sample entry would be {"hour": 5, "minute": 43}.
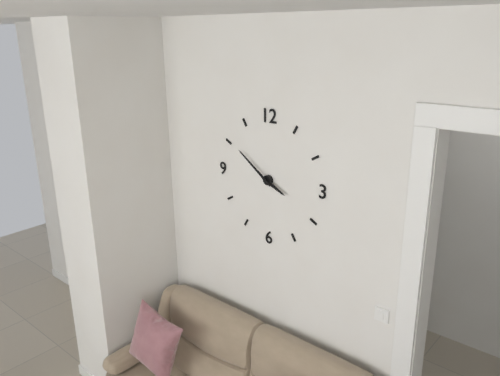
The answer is {"hour": 3, "minute": 51}
